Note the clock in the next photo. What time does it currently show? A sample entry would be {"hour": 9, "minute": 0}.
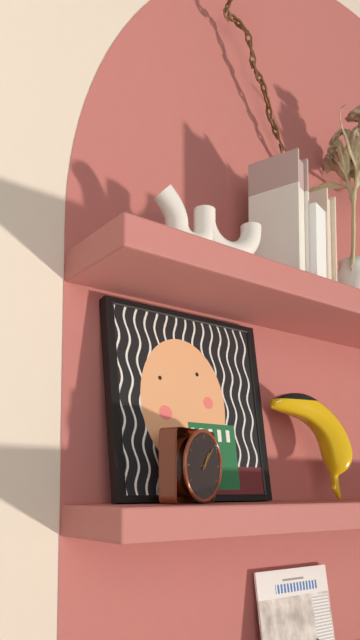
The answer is {"hour": 1, "minute": 7}
